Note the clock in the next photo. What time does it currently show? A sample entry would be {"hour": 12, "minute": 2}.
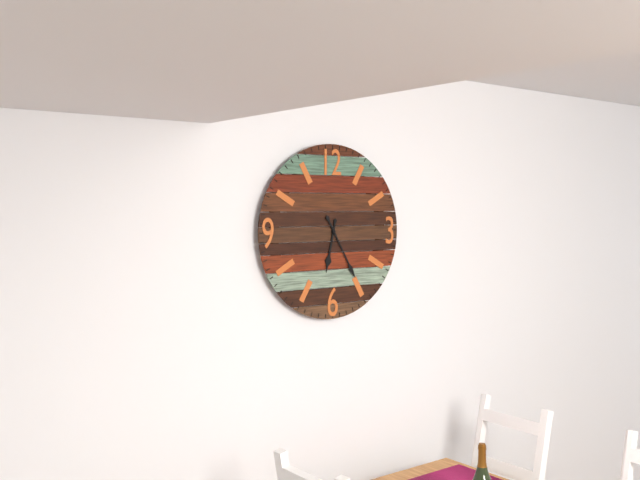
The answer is {"hour": 6, "minute": 25}
